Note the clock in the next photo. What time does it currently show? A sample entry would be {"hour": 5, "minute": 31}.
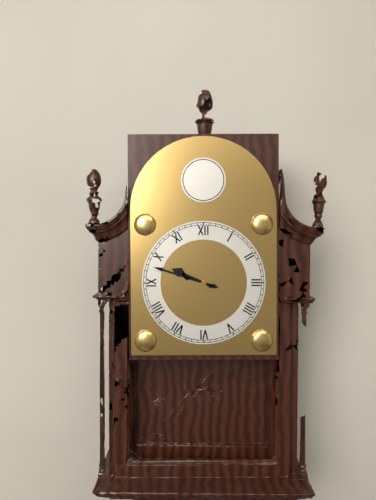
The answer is {"hour": 9, "minute": 48}
